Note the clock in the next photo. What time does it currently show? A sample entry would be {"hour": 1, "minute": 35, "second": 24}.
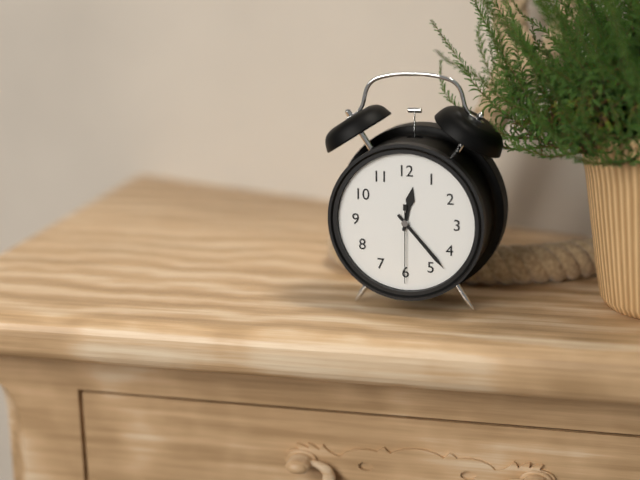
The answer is {"hour": 12, "minute": 23, "second": 30}
